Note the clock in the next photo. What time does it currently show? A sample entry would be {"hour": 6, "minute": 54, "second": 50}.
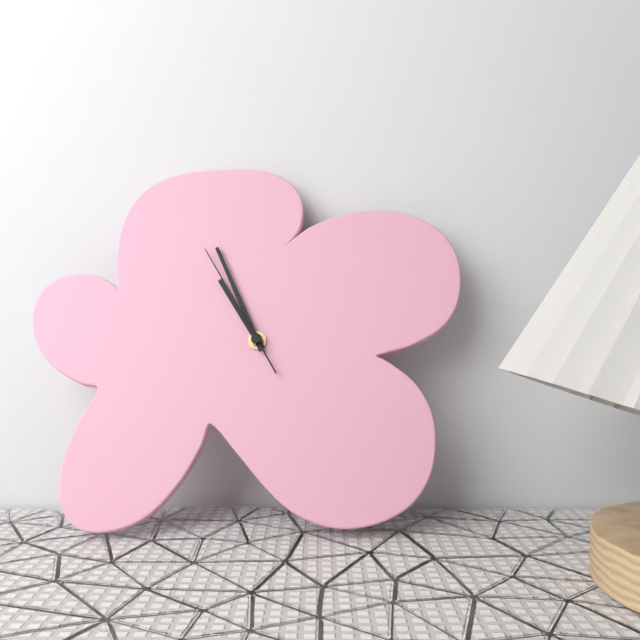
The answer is {"hour": 10, "minute": 56, "second": 55}
